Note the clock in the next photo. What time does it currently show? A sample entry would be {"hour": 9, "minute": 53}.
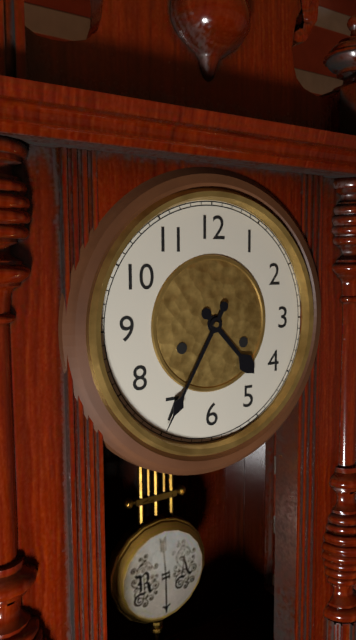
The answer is {"hour": 4, "minute": 35}
